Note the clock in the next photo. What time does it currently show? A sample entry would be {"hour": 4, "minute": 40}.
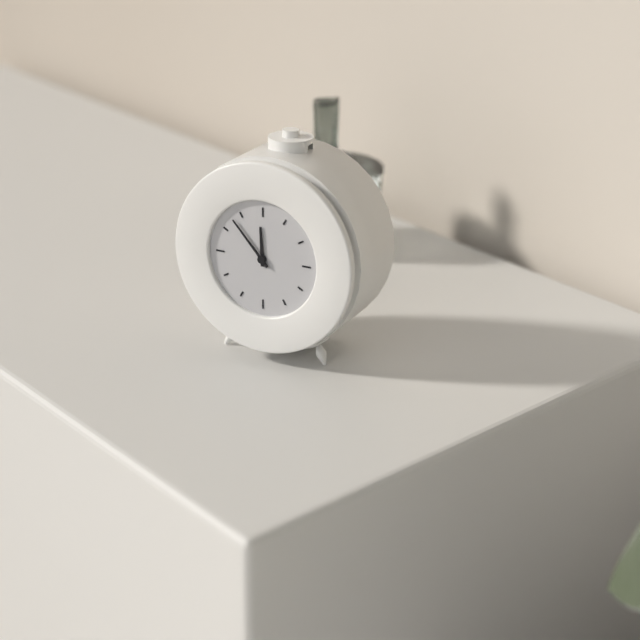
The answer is {"hour": 11, "minute": 53}
